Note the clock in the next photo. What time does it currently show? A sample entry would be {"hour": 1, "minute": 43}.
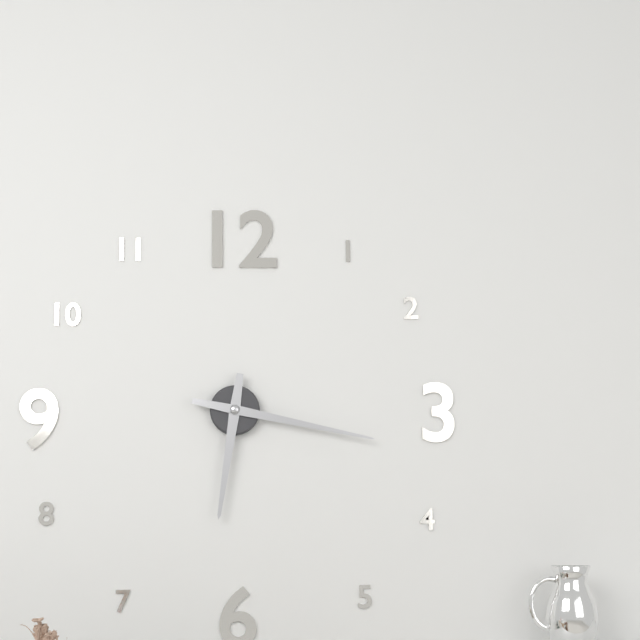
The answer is {"hour": 6, "minute": 17}
